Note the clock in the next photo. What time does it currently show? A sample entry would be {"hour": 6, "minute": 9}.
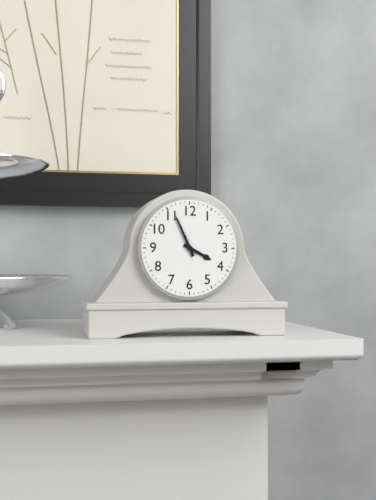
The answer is {"hour": 3, "minute": 56}
